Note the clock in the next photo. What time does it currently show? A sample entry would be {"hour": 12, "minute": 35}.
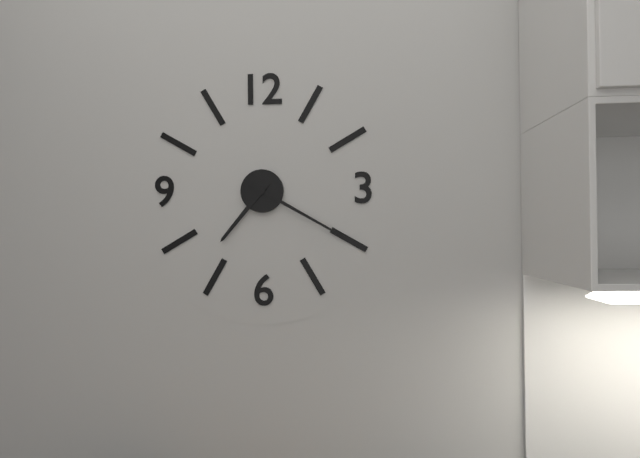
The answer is {"hour": 7, "minute": 20}
